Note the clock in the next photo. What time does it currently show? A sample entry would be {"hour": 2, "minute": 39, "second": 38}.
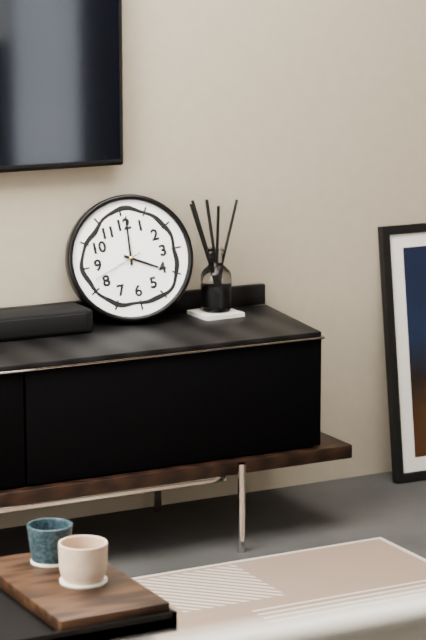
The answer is {"hour": 4, "minute": 1, "second": 42}
